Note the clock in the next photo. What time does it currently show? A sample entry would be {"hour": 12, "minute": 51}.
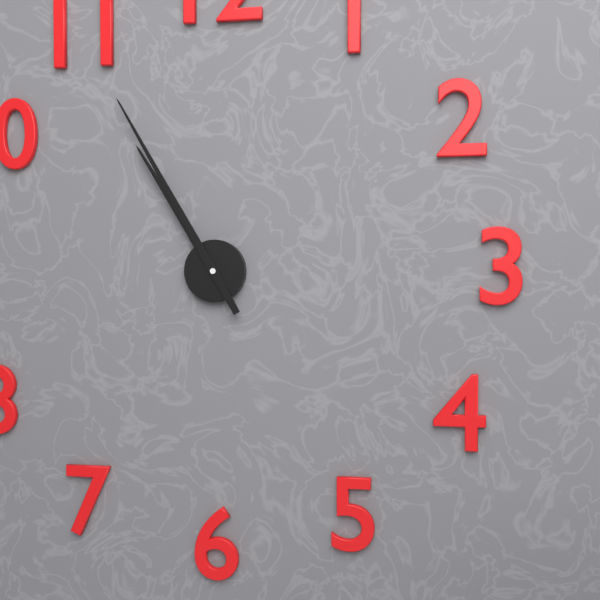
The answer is {"hour": 10, "minute": 55}
